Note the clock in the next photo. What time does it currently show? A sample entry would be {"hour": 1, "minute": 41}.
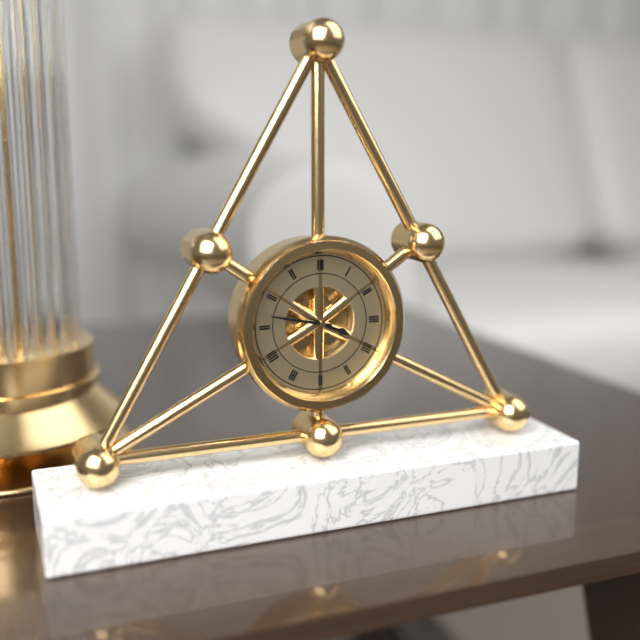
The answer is {"hour": 3, "minute": 47}
